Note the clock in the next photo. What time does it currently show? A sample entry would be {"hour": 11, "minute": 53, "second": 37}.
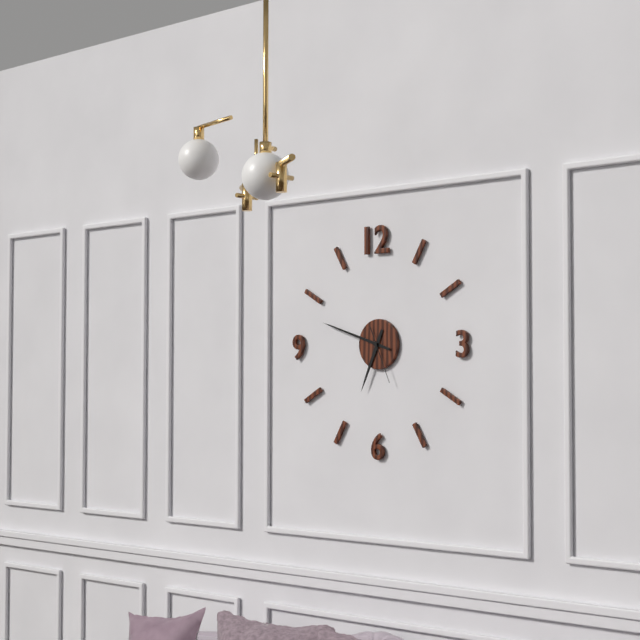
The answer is {"hour": 6, "minute": 48, "second": 26}
